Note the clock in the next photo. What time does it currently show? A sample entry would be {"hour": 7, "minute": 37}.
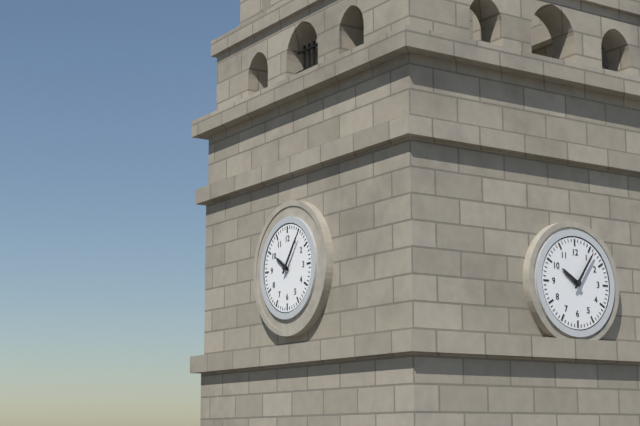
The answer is {"hour": 10, "minute": 6}
